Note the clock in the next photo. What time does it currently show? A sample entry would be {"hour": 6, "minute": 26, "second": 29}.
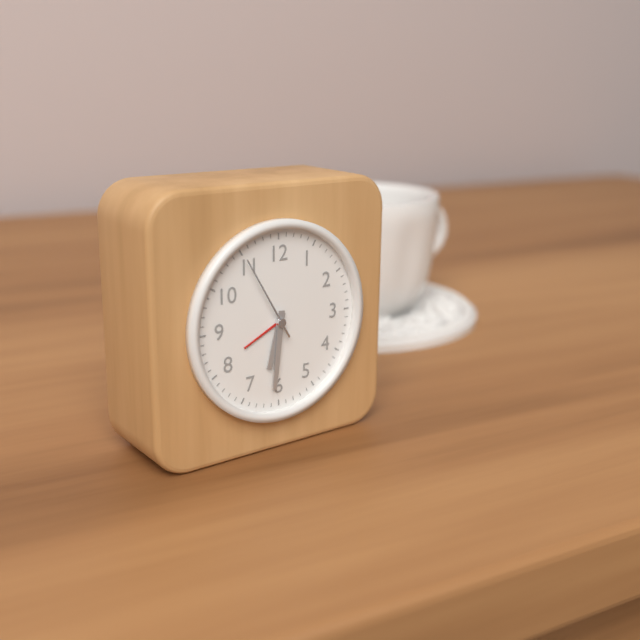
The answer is {"hour": 6, "minute": 31, "second": 55}
